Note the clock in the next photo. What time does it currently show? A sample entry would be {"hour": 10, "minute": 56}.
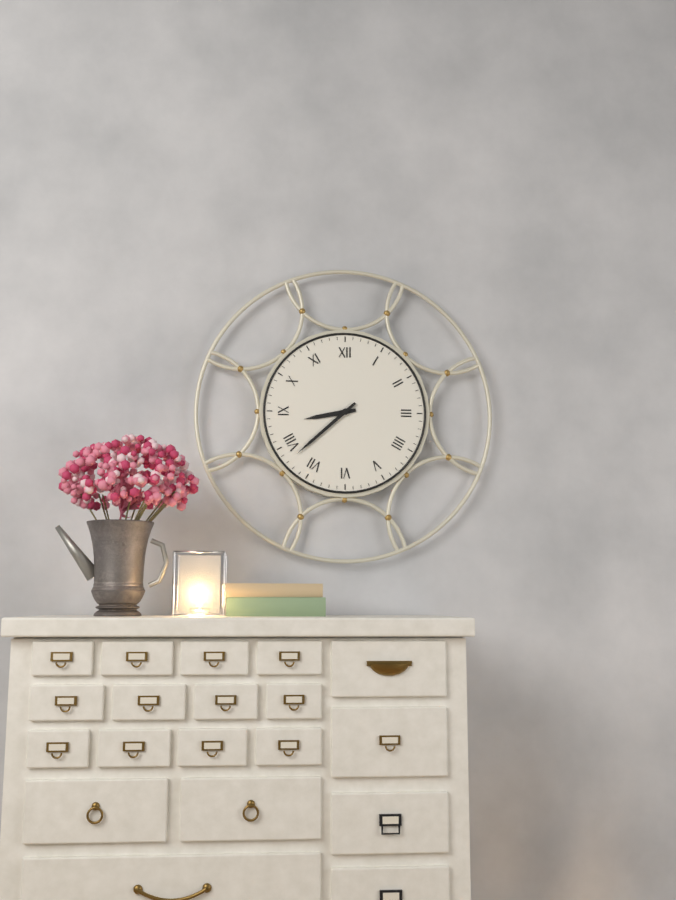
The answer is {"hour": 8, "minute": 38}
